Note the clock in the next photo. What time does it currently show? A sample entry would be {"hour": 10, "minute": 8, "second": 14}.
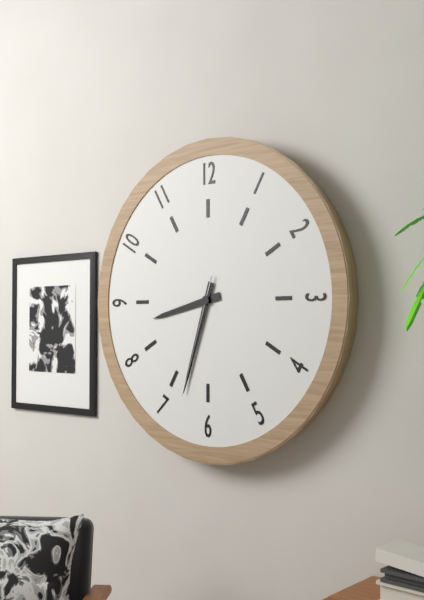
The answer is {"hour": 8, "minute": 33, "second": 33}
